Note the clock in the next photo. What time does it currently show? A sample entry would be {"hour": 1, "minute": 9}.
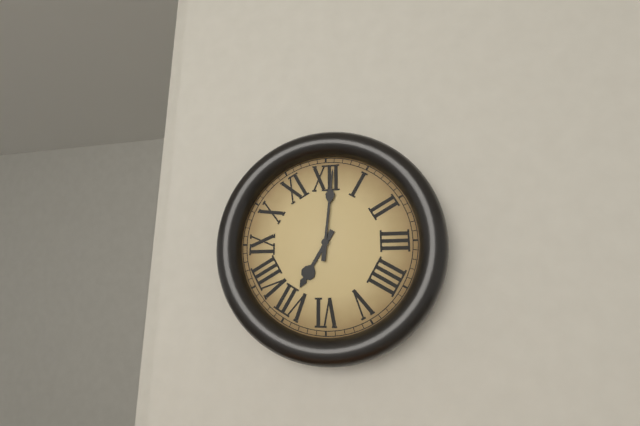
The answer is {"hour": 7, "minute": 1}
